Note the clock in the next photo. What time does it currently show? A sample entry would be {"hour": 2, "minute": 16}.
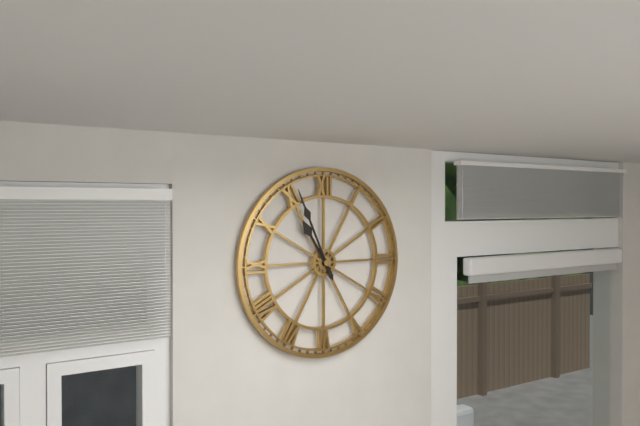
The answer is {"hour": 10, "minute": 56}
